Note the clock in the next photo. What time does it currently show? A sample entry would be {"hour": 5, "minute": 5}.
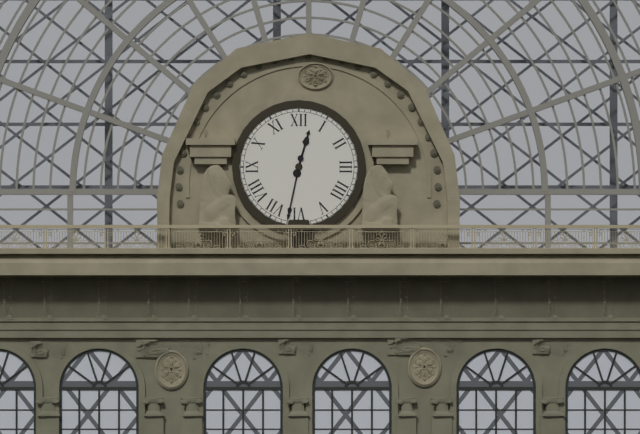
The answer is {"hour": 12, "minute": 32}
